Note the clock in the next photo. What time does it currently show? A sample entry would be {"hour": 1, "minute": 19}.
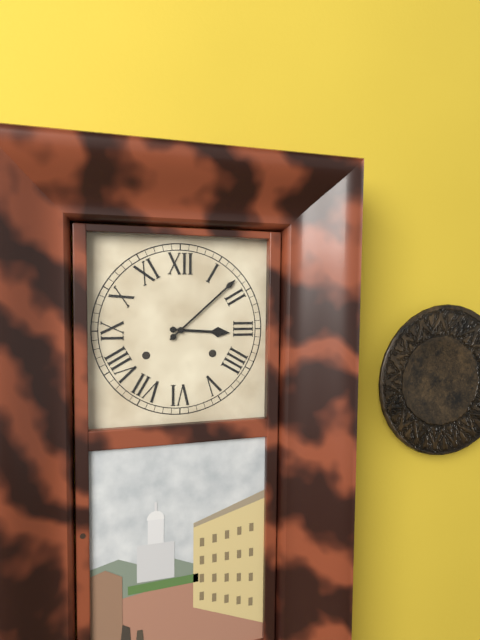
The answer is {"hour": 3, "minute": 8}
